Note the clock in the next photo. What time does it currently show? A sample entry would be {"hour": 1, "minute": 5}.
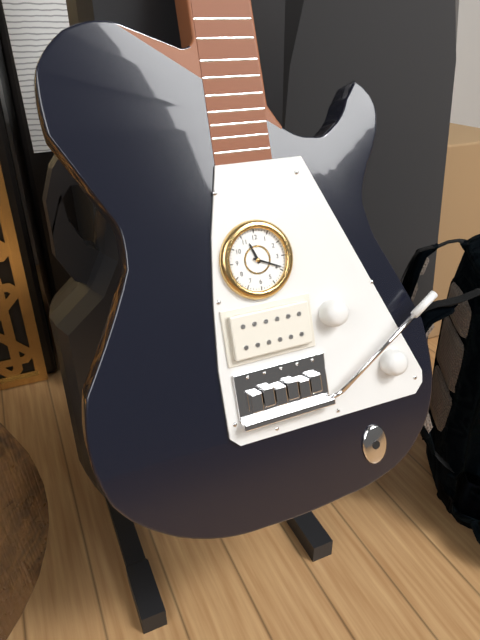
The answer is {"hour": 11, "minute": 19}
